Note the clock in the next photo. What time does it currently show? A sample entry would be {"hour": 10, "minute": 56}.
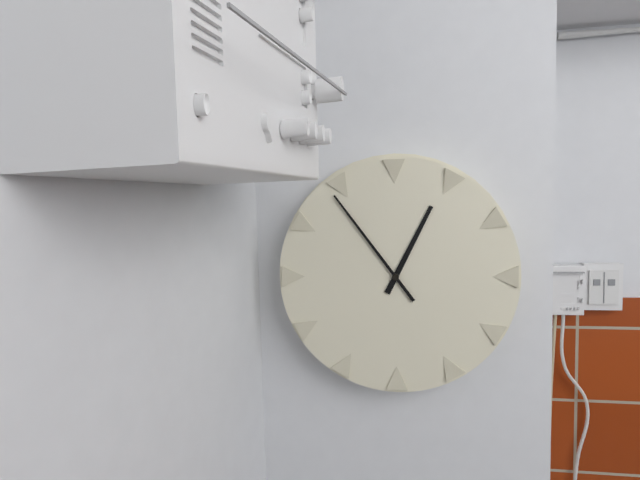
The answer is {"hour": 12, "minute": 54}
